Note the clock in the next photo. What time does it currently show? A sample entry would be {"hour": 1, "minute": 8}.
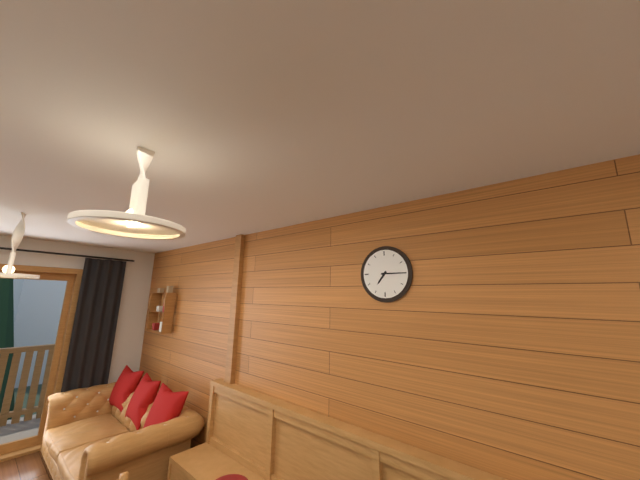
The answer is {"hour": 7, "minute": 15}
